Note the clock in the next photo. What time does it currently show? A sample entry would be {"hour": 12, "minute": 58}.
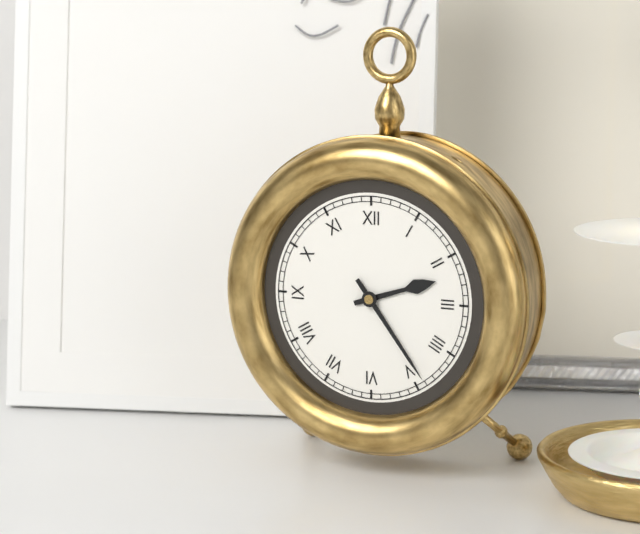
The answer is {"hour": 2, "minute": 24}
